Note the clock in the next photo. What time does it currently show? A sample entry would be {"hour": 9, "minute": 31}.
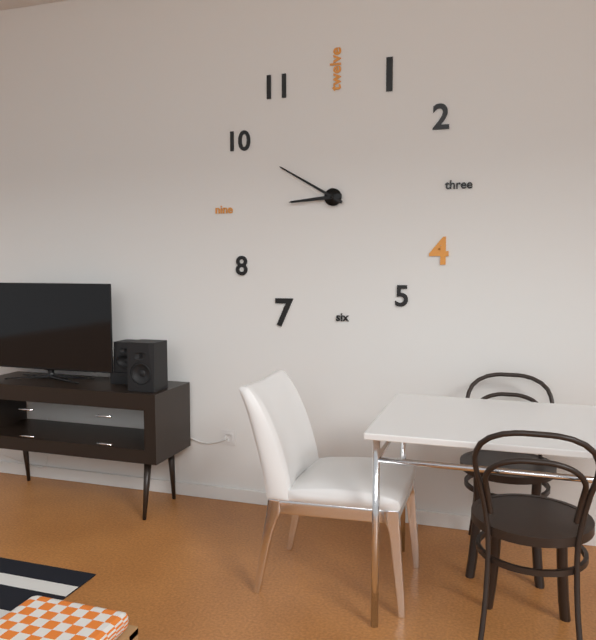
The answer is {"hour": 8, "minute": 50}
